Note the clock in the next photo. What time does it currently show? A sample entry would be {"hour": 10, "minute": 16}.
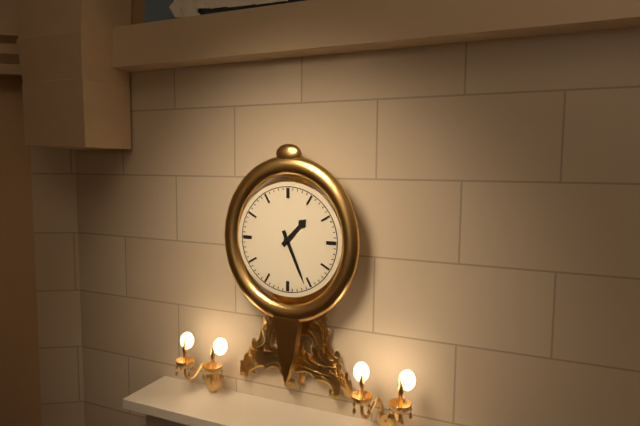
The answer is {"hour": 1, "minute": 26}
